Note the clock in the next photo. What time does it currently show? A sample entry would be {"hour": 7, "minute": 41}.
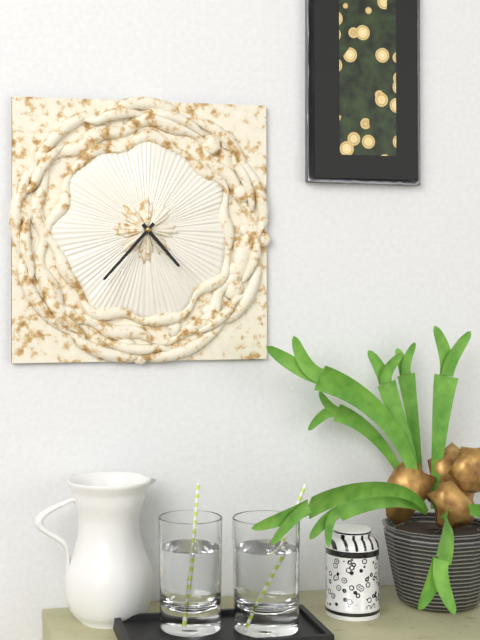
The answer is {"hour": 4, "minute": 37}
